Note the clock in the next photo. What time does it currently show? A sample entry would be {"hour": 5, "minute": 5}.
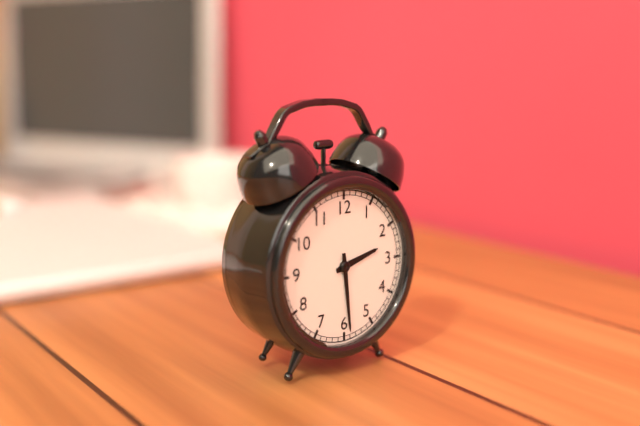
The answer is {"hour": 2, "minute": 29}
